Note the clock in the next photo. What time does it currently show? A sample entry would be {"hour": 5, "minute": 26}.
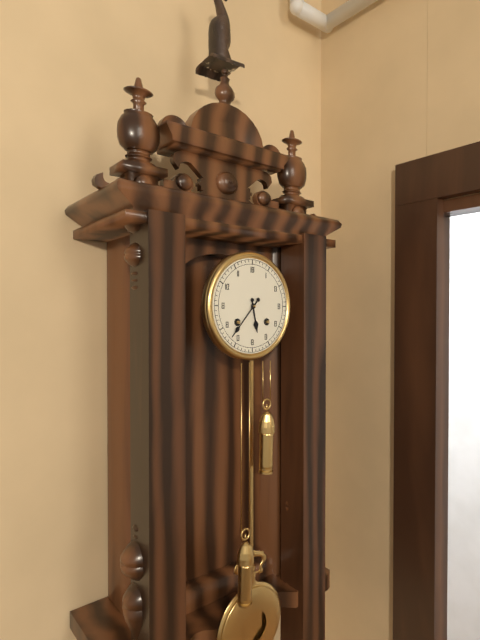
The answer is {"hour": 5, "minute": 37}
